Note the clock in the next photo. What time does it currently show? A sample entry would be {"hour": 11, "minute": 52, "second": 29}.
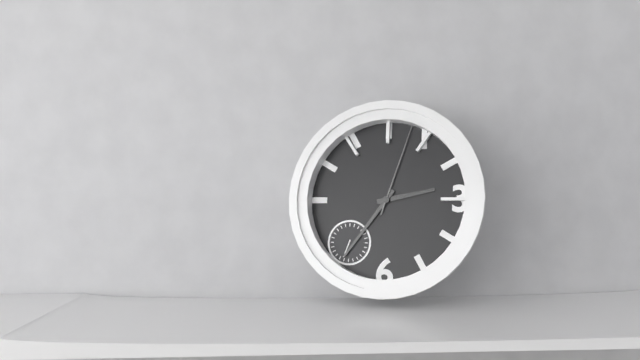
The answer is {"hour": 2, "minute": 36, "second": 3}
